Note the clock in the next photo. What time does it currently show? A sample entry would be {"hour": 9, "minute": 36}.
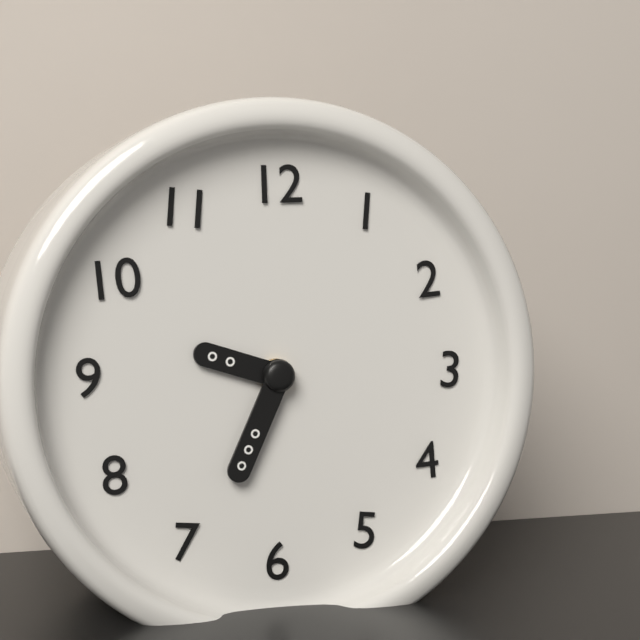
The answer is {"hour": 9, "minute": 34}
